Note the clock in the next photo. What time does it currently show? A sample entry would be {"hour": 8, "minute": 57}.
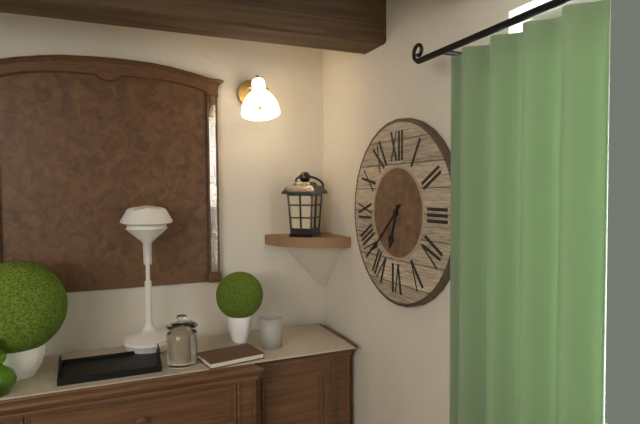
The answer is {"hour": 6, "minute": 38}
